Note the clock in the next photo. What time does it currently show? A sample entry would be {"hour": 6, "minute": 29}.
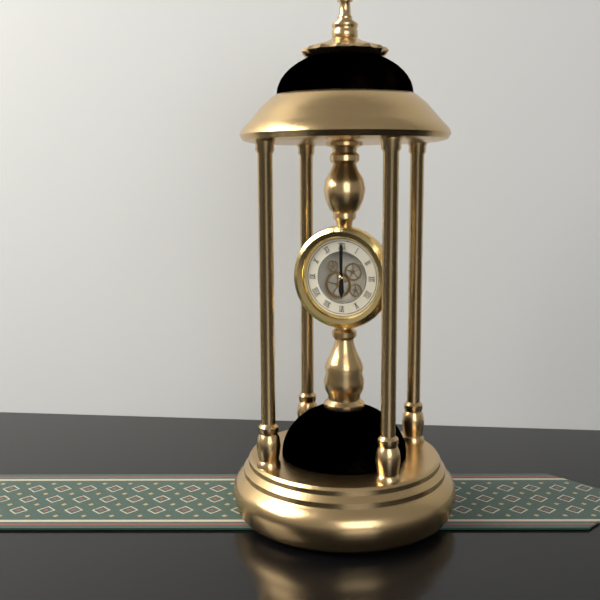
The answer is {"hour": 6, "minute": 0}
